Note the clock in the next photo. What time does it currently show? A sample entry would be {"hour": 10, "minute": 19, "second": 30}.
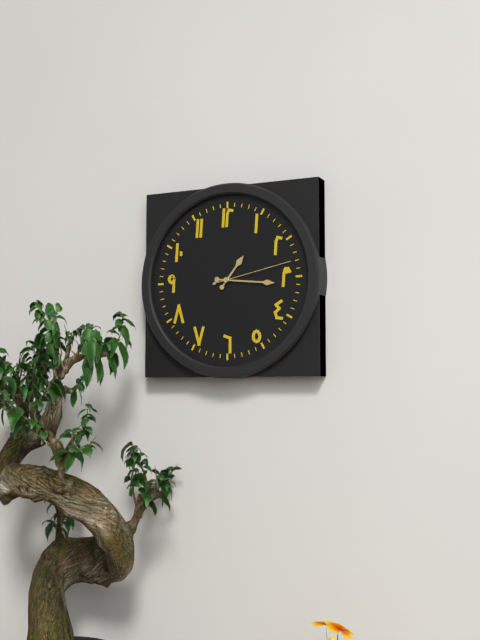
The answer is {"hour": 1, "minute": 16, "second": 13}
